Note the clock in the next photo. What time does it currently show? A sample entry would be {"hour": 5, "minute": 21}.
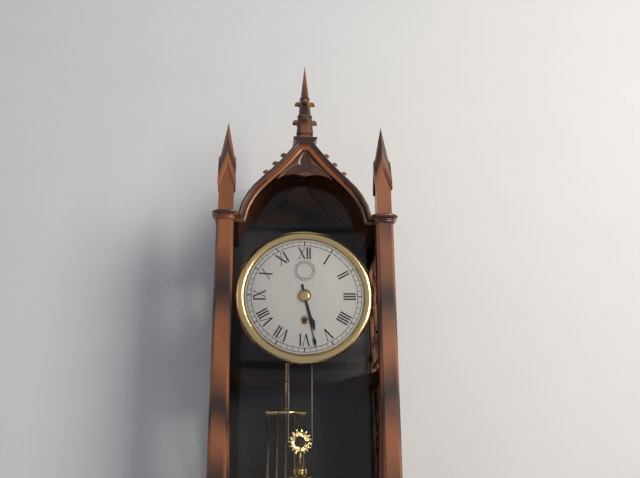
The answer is {"hour": 5, "minute": 28}
